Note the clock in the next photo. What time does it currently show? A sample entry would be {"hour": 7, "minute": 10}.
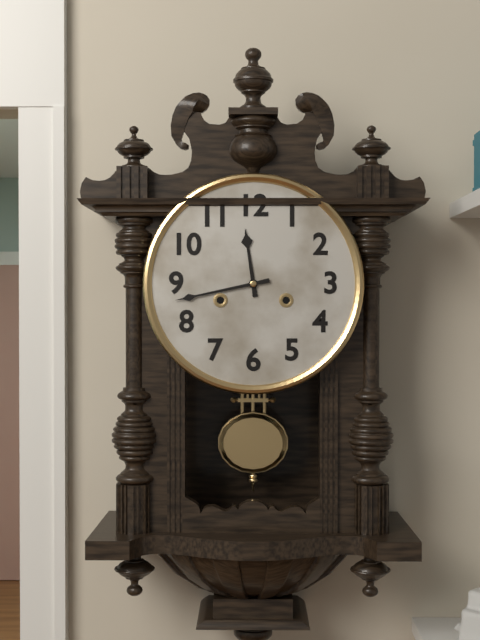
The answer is {"hour": 11, "minute": 43}
